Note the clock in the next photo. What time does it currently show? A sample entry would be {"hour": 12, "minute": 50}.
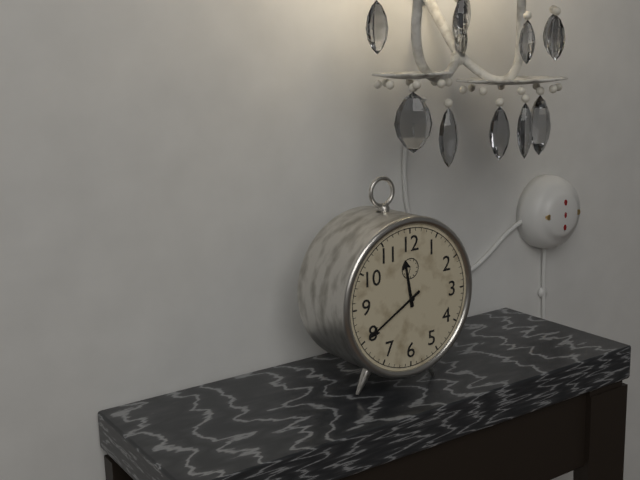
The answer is {"hour": 11, "minute": 40}
